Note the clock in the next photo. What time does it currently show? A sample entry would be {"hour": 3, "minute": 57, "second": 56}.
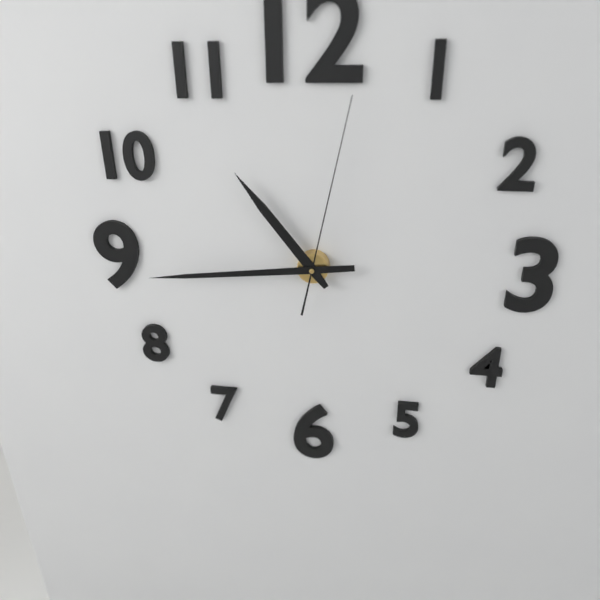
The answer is {"hour": 10, "minute": 44, "second": 2}
